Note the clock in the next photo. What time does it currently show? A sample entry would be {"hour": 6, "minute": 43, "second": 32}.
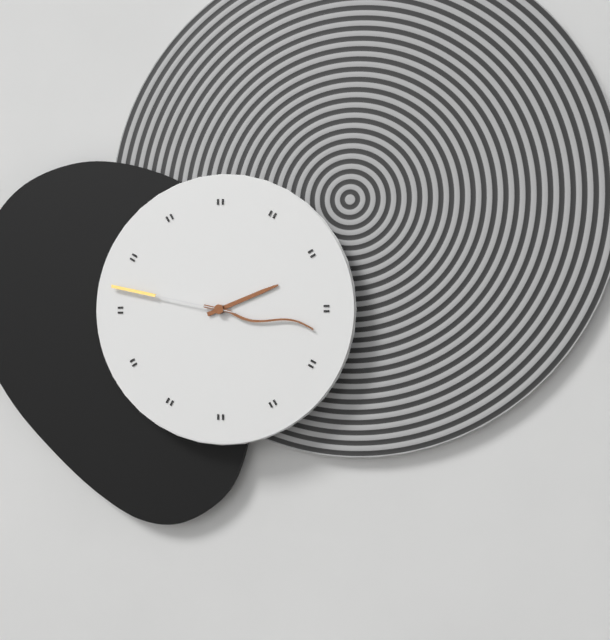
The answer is {"hour": 2, "minute": 17, "second": 47}
